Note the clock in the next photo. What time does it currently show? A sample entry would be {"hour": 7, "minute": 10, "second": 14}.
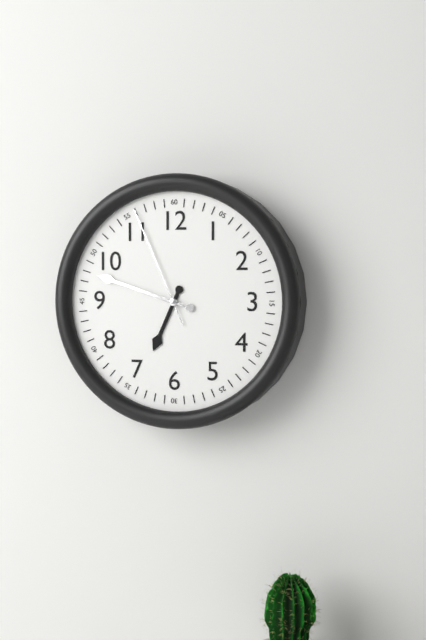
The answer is {"hour": 6, "minute": 48, "second": 56}
